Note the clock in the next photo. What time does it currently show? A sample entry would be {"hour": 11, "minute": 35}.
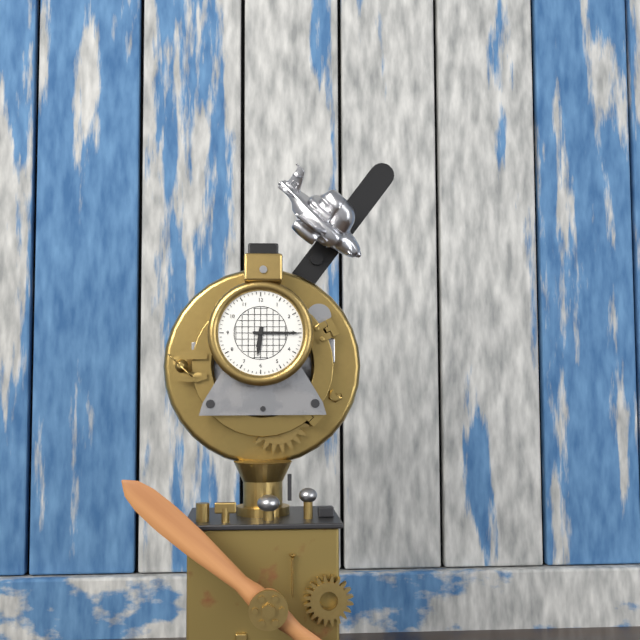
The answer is {"hour": 6, "minute": 15}
